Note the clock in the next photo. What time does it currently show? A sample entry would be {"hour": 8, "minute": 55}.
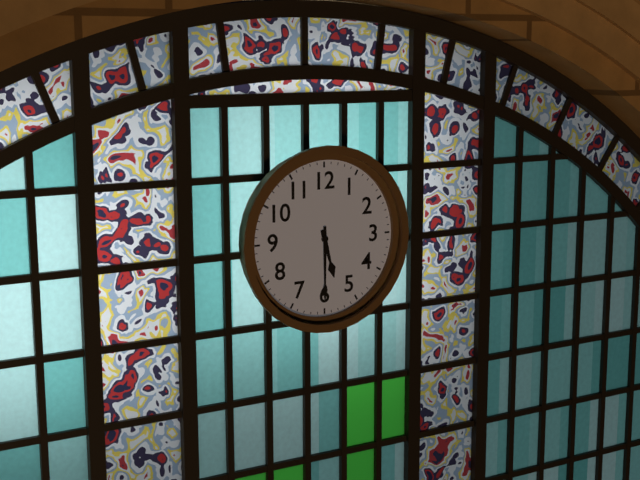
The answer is {"hour": 5, "minute": 30}
